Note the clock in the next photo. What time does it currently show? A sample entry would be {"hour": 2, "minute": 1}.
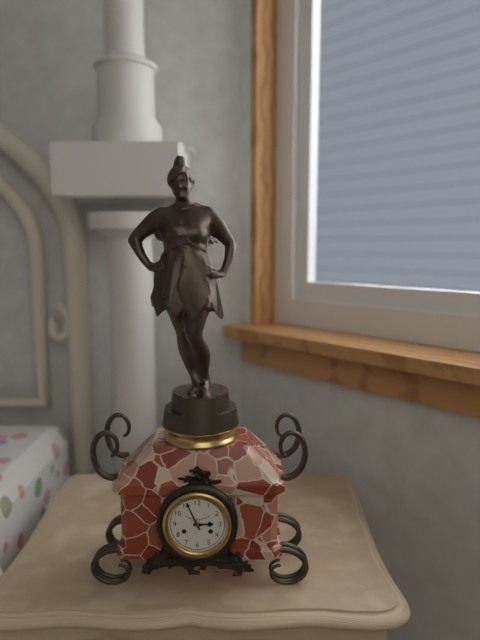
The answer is {"hour": 2, "minute": 56}
